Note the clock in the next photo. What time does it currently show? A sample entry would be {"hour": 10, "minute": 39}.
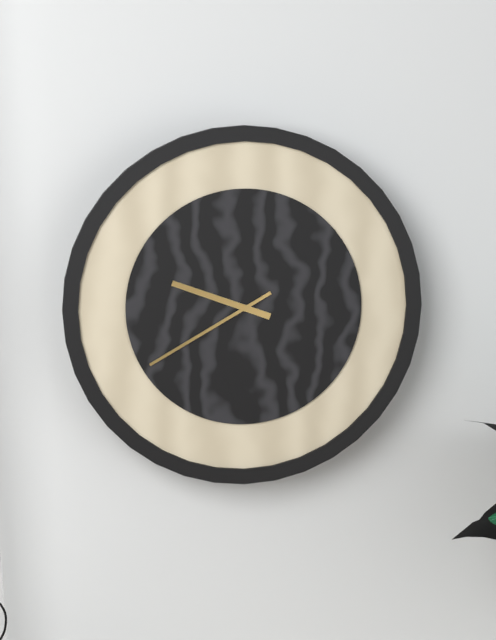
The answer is {"hour": 9, "minute": 40}
